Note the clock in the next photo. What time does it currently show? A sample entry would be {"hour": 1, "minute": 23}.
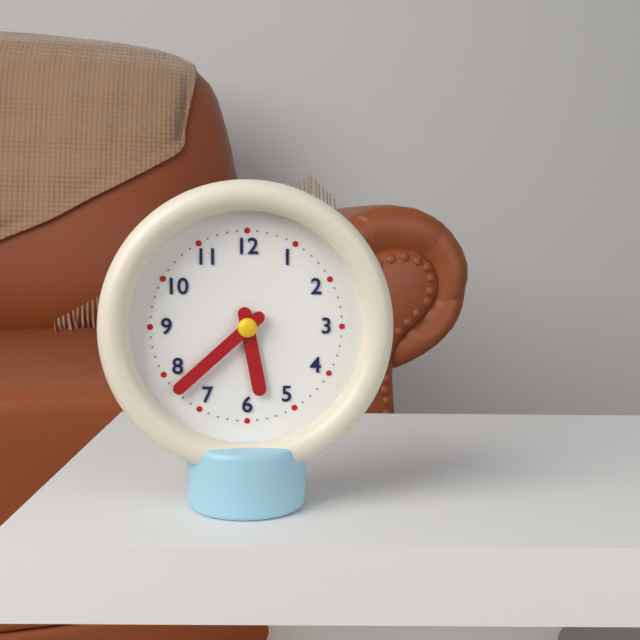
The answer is {"hour": 5, "minute": 38}
